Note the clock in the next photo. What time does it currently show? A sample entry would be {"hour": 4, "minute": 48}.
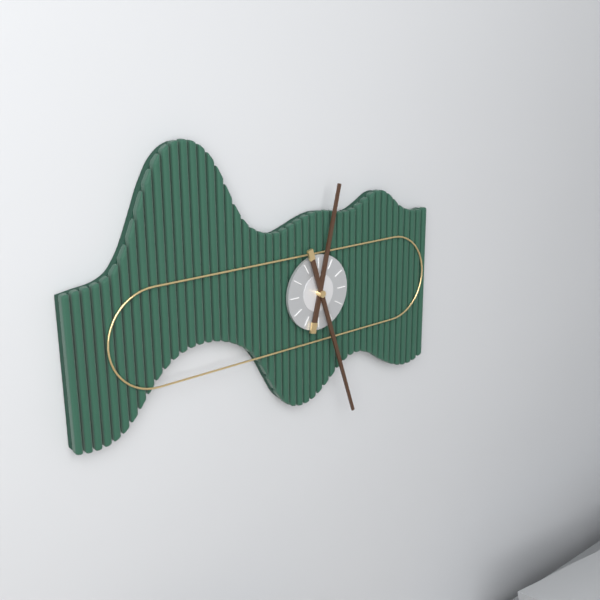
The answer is {"hour": 12, "minute": 27}
